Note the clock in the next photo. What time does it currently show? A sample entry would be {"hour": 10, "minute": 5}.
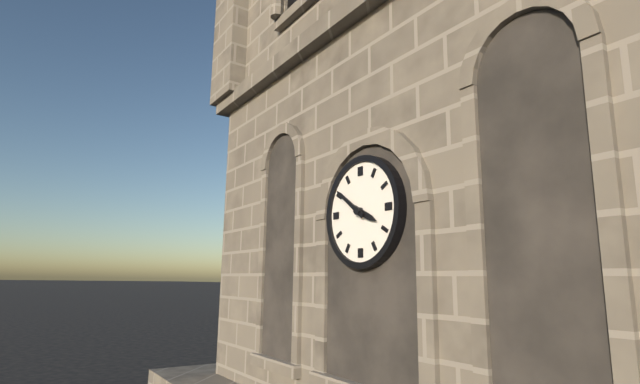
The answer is {"hour": 3, "minute": 51}
